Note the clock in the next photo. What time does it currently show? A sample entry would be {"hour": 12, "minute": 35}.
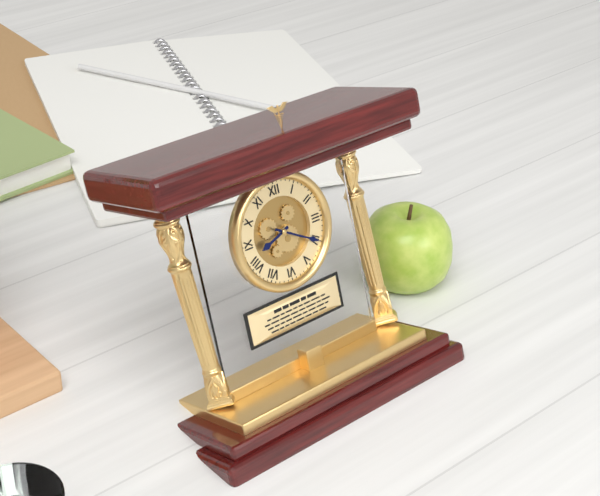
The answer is {"hour": 8, "minute": 20}
